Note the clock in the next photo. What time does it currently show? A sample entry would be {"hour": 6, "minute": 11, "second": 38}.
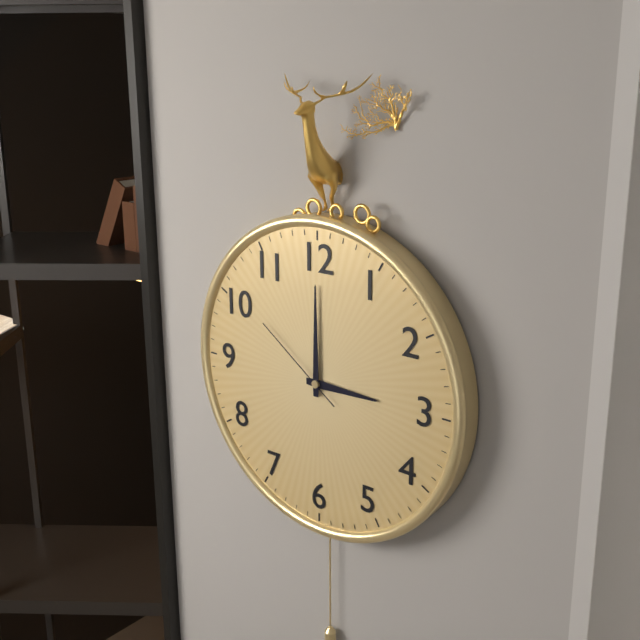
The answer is {"hour": 3, "minute": 0, "second": 51}
